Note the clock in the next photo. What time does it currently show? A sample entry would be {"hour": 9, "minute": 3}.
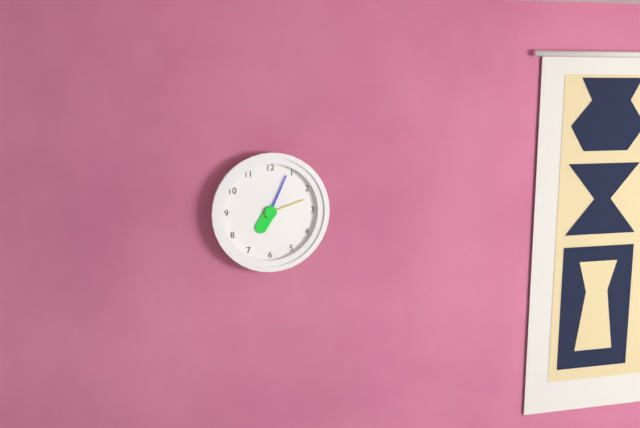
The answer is {"hour": 7, "minute": 4}
